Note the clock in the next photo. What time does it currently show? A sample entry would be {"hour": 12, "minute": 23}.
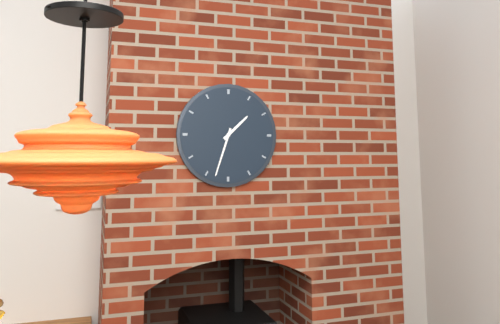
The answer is {"hour": 1, "minute": 33}
